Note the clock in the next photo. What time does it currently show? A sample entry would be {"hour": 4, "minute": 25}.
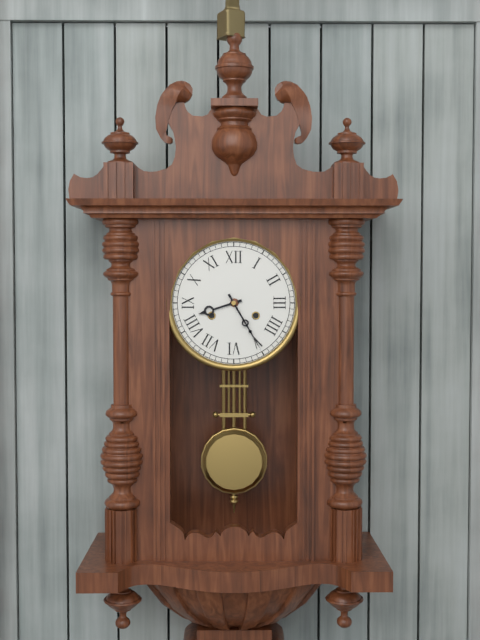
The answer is {"hour": 8, "minute": 25}
